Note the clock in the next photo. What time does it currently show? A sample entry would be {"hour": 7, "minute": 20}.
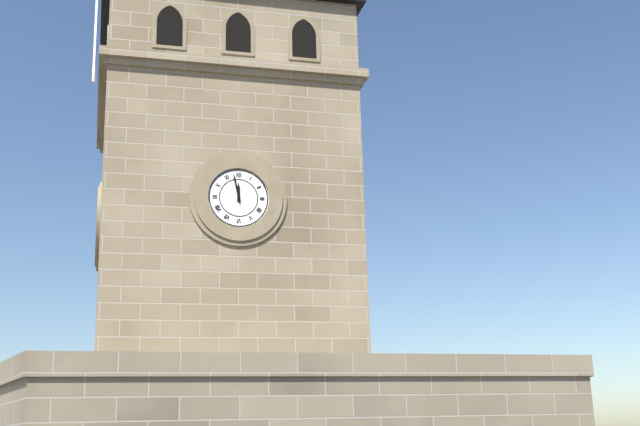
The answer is {"hour": 11, "minute": 58}
